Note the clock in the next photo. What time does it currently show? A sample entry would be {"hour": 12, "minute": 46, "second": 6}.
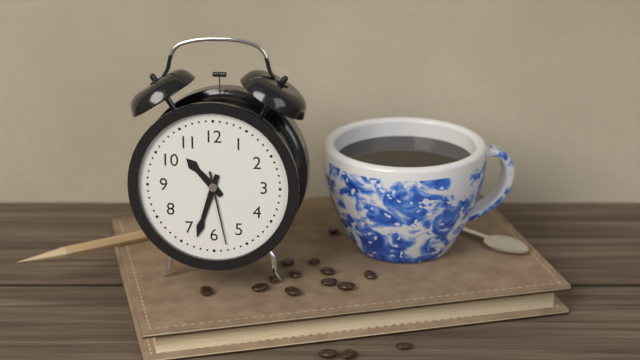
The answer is {"hour": 10, "minute": 33, "second": 28}
